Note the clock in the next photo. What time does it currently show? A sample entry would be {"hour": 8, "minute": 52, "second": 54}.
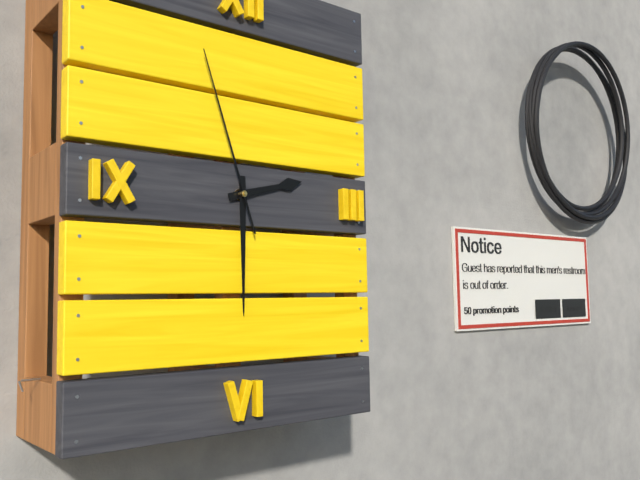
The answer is {"hour": 2, "minute": 30, "second": 57}
